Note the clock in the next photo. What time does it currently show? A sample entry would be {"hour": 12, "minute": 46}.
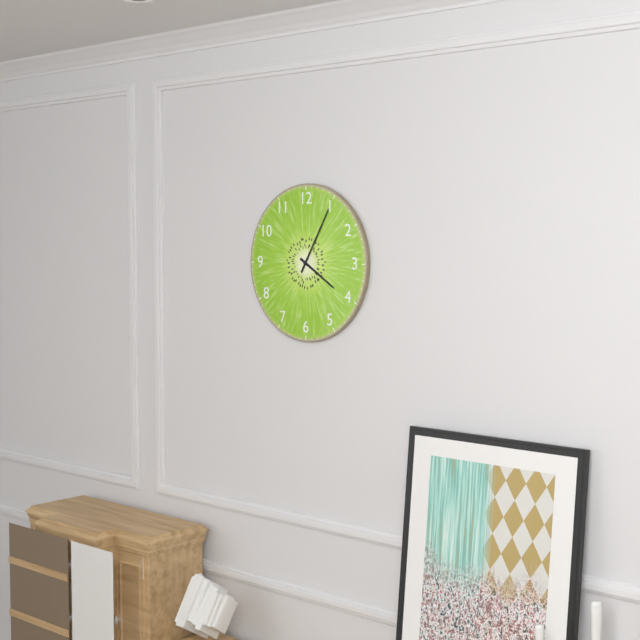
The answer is {"hour": 4, "minute": 5}
